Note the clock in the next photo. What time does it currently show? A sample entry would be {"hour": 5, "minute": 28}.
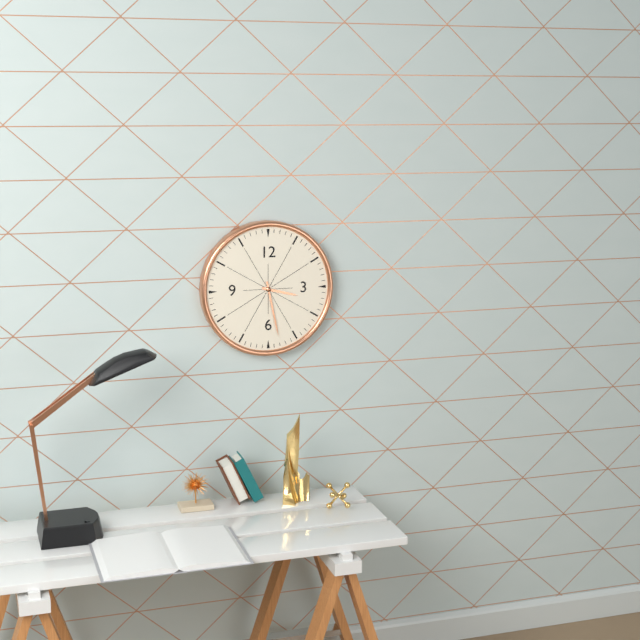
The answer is {"hour": 3, "minute": 28}
